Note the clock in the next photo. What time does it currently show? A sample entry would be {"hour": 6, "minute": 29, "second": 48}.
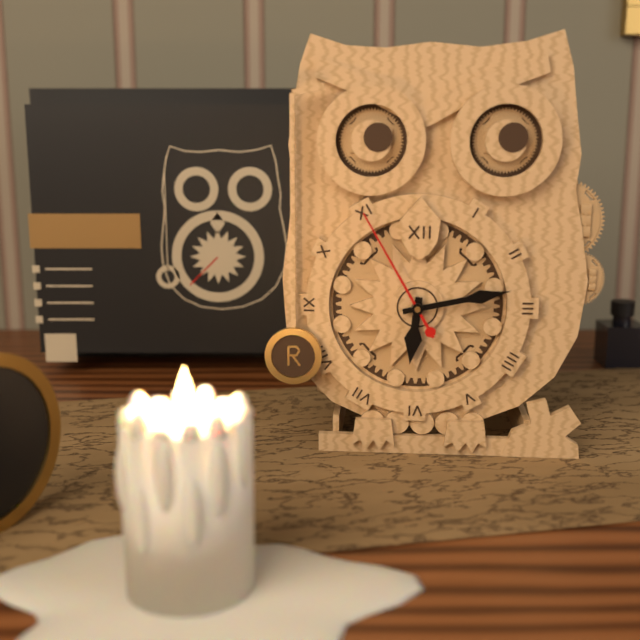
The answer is {"hour": 6, "minute": 13, "second": 55}
